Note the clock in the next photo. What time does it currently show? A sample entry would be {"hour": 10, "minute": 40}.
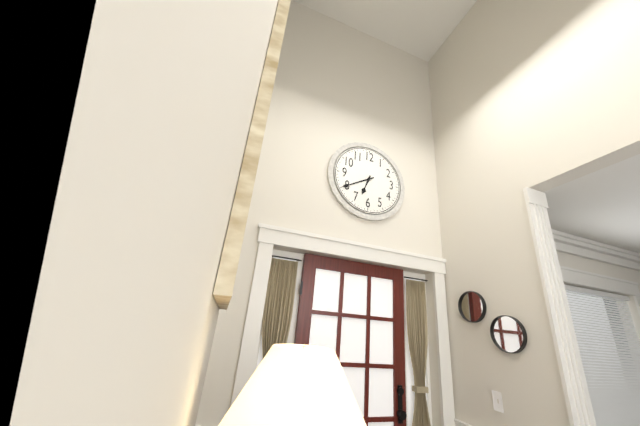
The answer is {"hour": 6, "minute": 40}
